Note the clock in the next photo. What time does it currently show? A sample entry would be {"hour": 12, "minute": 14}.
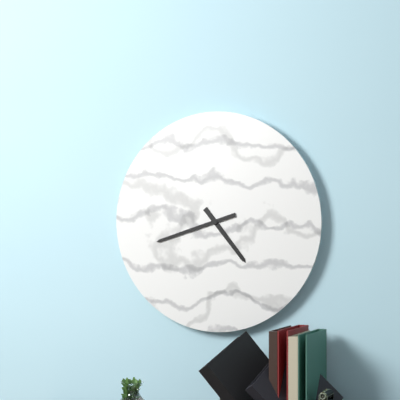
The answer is {"hour": 4, "minute": 42}
